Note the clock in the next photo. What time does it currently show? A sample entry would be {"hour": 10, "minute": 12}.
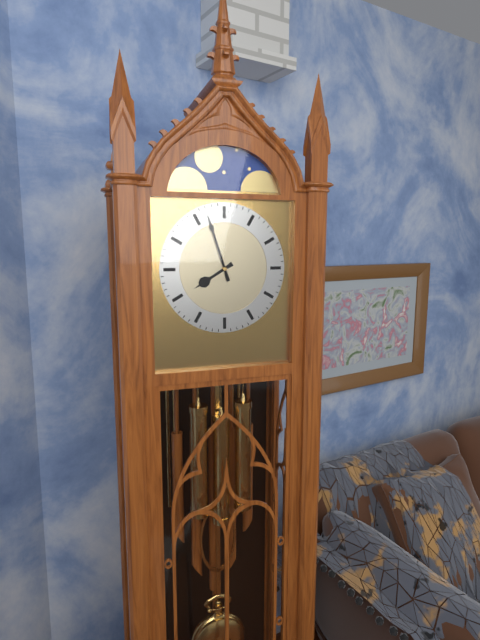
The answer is {"hour": 7, "minute": 57}
